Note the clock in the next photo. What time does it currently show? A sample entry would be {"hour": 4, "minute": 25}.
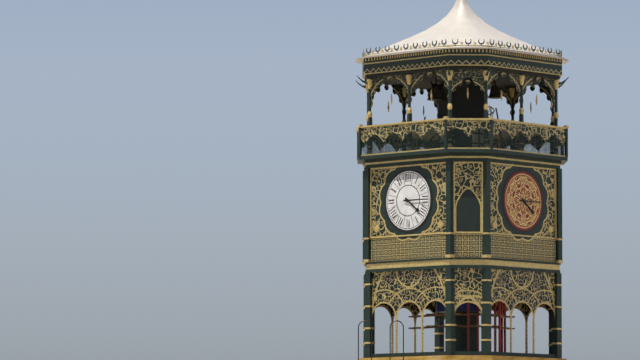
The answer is {"hour": 4, "minute": 15}
